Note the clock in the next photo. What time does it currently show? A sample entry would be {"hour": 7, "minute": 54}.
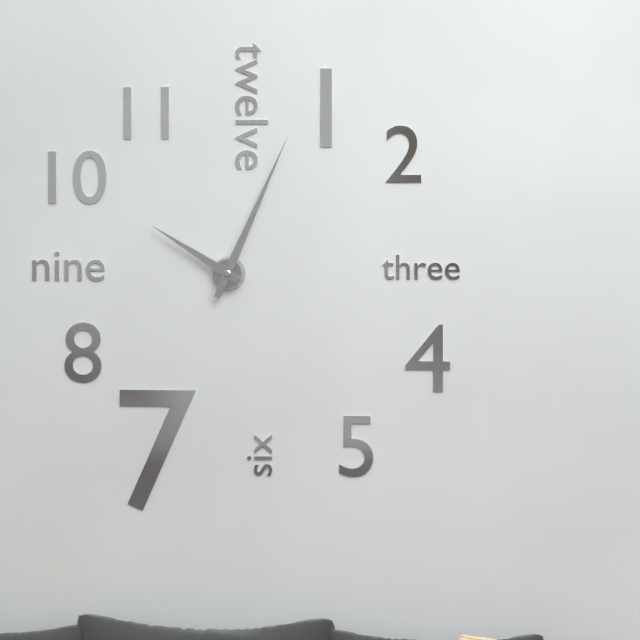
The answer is {"hour": 10, "minute": 4}
